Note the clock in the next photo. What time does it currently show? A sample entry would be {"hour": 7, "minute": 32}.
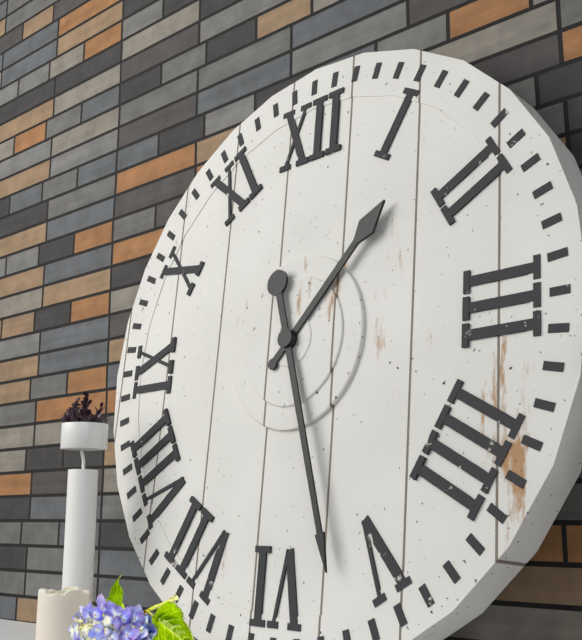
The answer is {"hour": 1, "minute": 27}
